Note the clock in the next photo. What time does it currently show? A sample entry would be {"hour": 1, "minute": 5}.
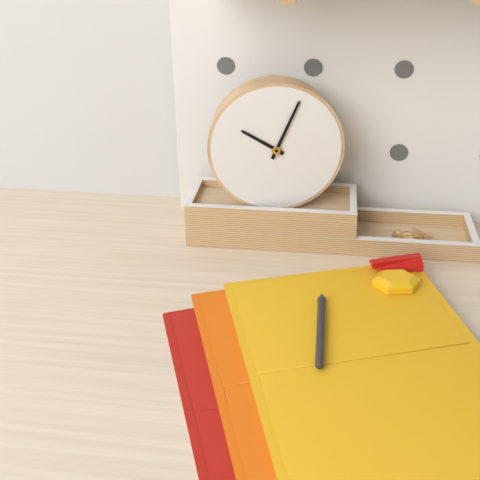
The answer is {"hour": 10, "minute": 4}
